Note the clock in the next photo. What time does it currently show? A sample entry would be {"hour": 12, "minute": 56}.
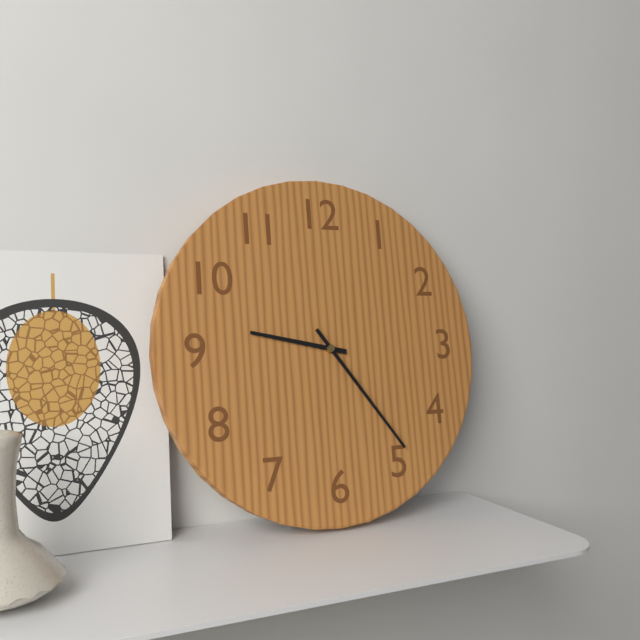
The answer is {"hour": 9, "minute": 24}
